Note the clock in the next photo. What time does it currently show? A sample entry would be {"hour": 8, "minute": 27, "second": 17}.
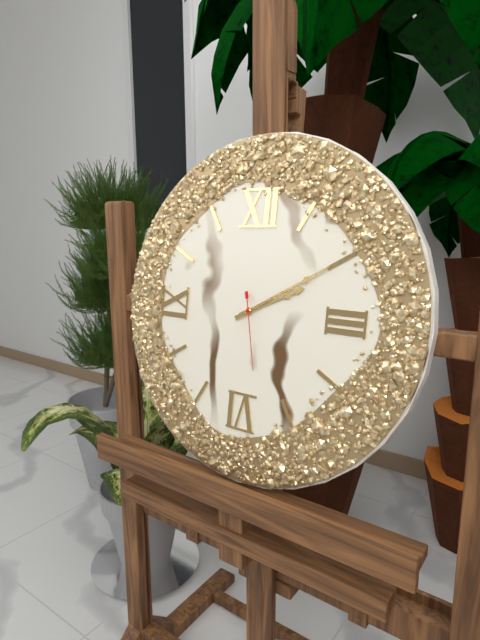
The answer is {"hour": 2, "minute": 10, "second": 28}
